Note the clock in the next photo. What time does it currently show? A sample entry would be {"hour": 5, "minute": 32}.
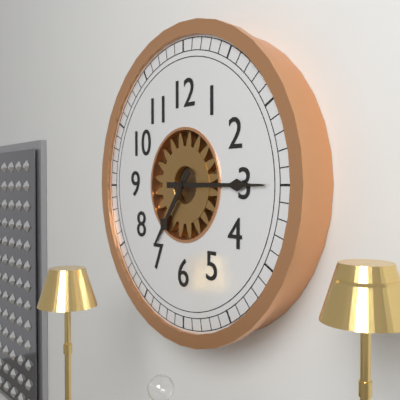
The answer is {"hour": 7, "minute": 15}
